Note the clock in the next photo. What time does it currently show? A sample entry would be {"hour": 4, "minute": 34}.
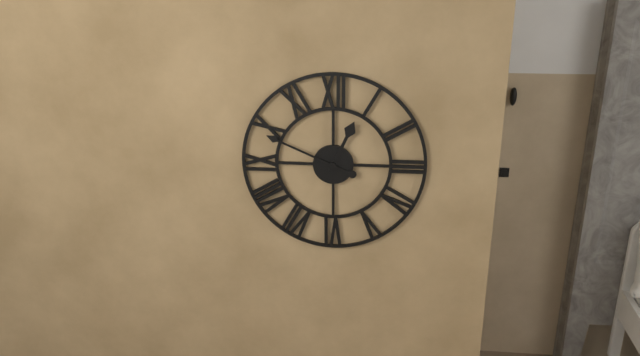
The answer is {"hour": 12, "minute": 49}
